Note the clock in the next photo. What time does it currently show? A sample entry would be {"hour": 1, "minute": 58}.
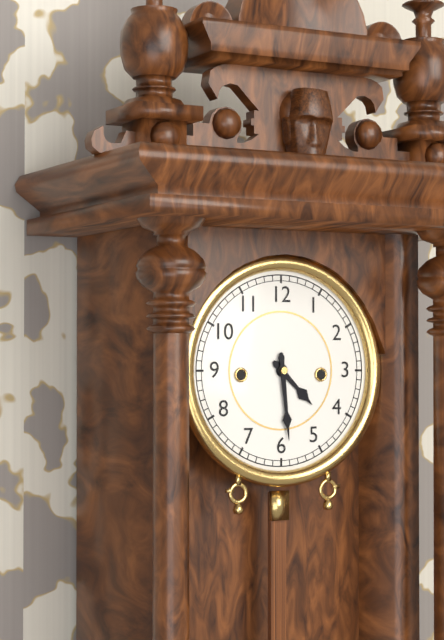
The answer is {"hour": 4, "minute": 29}
